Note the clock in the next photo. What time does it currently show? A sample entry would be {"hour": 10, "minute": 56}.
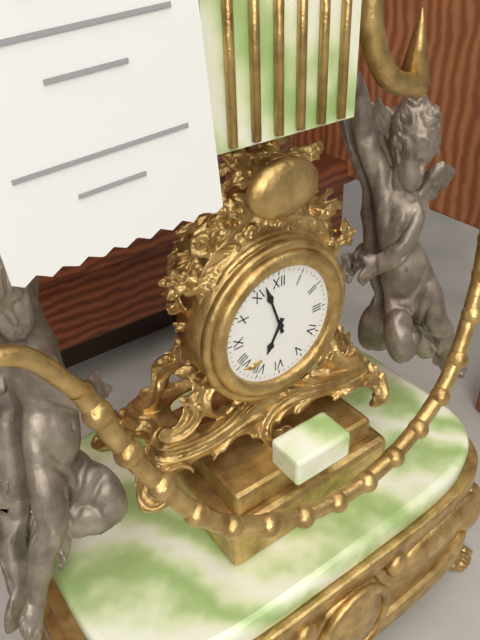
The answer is {"hour": 6, "minute": 57}
